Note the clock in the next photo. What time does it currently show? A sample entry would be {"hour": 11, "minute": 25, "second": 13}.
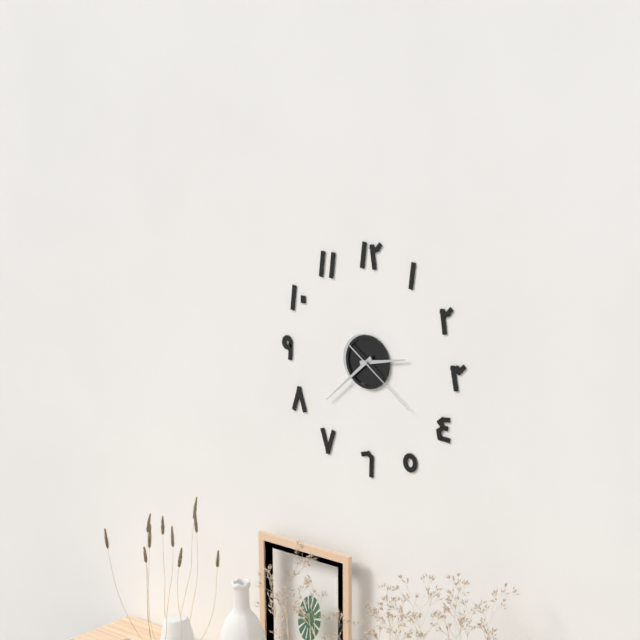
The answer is {"hour": 2, "minute": 38, "second": 21}
